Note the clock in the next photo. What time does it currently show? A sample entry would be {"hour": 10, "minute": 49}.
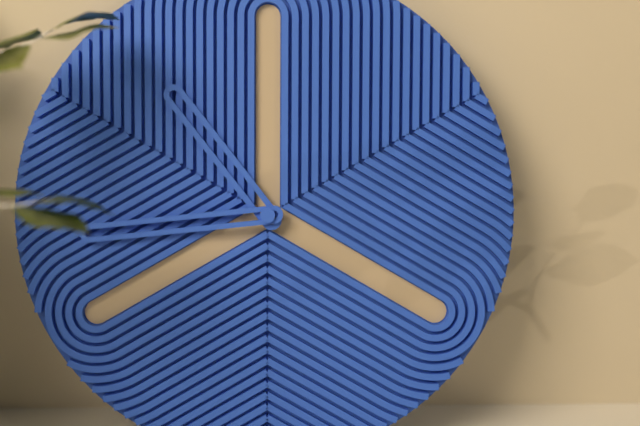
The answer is {"hour": 10, "minute": 44}
